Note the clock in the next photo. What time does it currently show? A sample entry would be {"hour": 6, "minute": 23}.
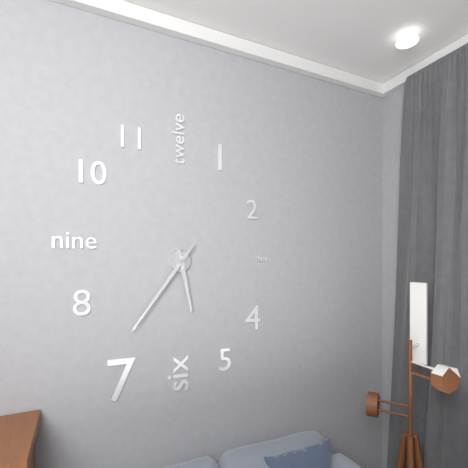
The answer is {"hour": 5, "minute": 36}
